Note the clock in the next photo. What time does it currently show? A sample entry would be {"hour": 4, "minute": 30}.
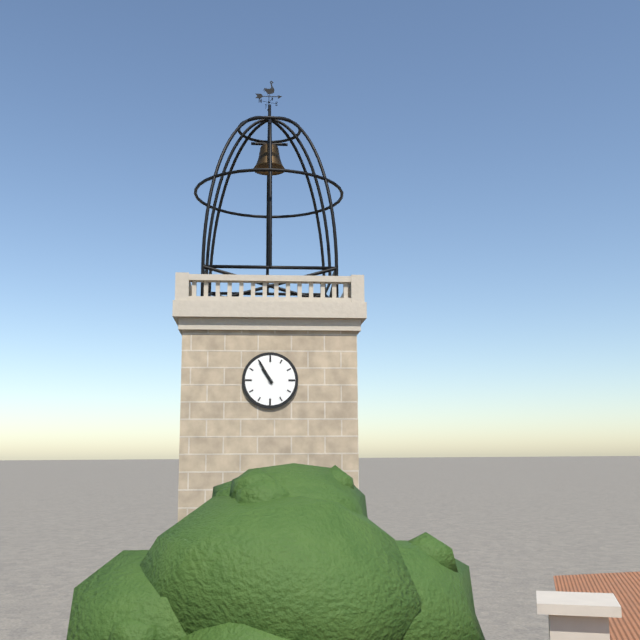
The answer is {"hour": 10, "minute": 55}
